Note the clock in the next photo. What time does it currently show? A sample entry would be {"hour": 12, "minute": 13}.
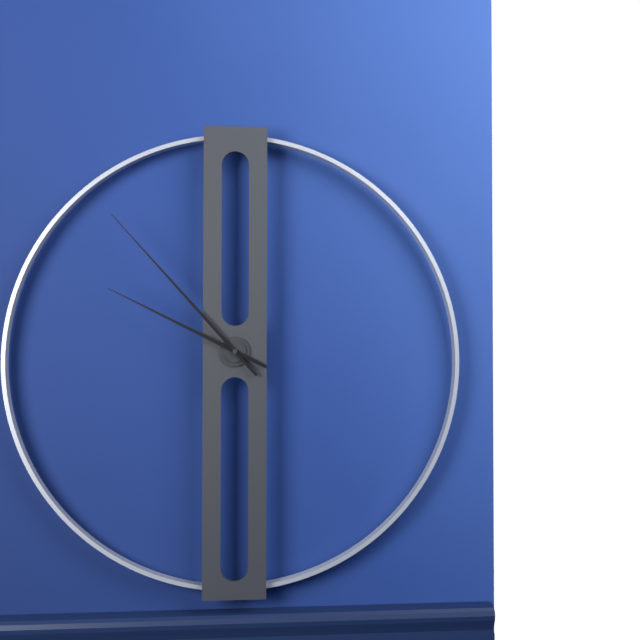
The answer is {"hour": 9, "minute": 53}
